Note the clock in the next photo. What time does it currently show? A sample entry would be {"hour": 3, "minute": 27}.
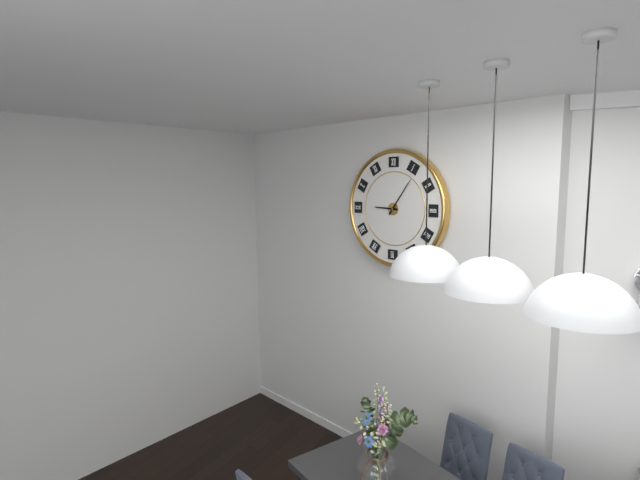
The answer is {"hour": 9, "minute": 6}
